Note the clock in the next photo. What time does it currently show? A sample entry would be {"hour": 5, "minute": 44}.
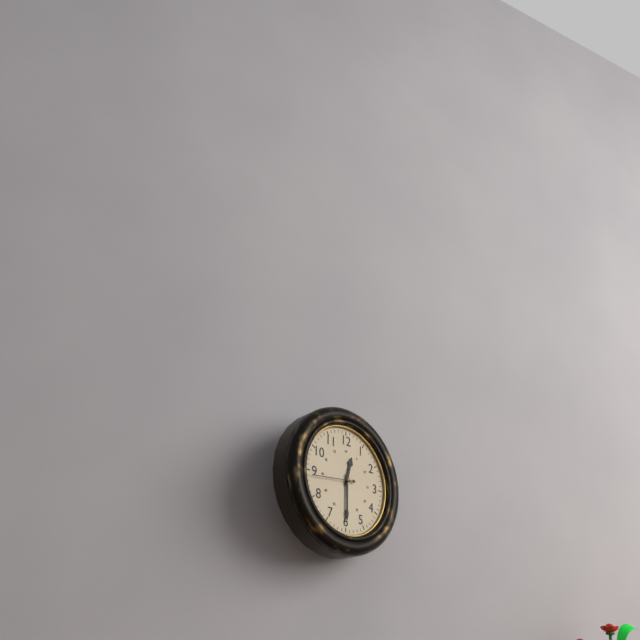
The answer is {"hour": 12, "minute": 30}
